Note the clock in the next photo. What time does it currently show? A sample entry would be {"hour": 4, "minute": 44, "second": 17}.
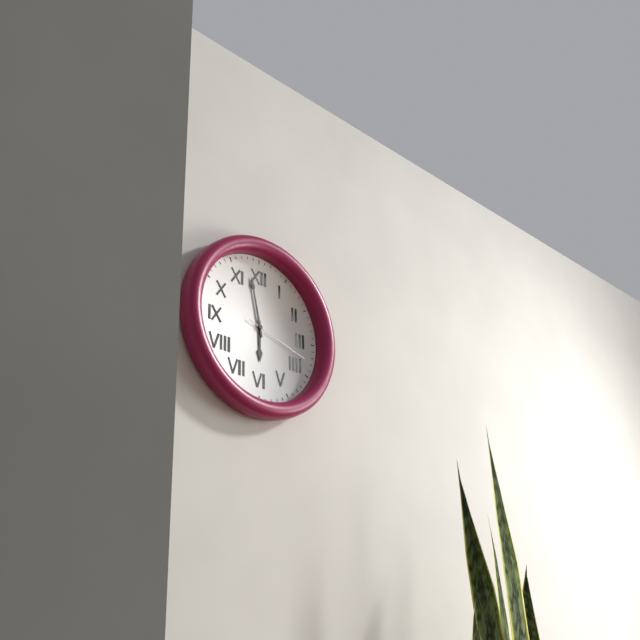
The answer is {"hour": 5, "minute": 58, "second": 18}
